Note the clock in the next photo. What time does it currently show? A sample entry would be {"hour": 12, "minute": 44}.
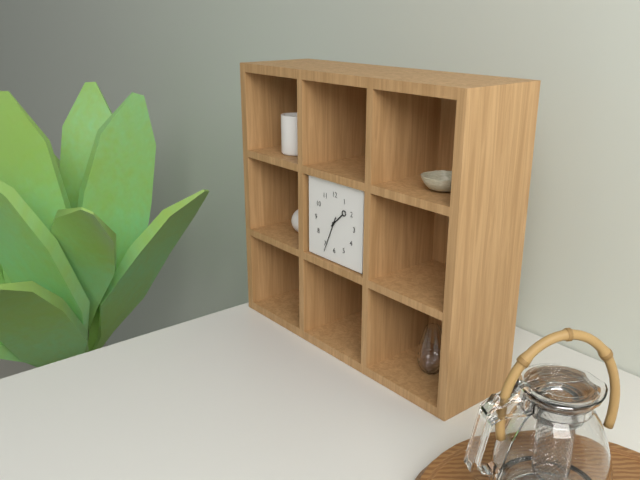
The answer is {"hour": 1, "minute": 34}
